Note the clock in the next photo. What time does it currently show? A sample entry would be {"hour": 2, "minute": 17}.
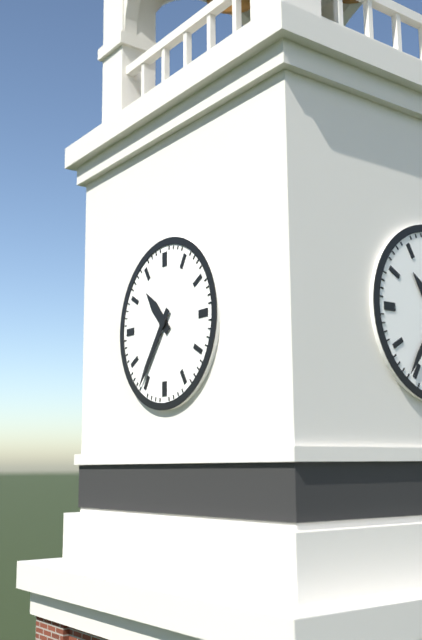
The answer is {"hour": 10, "minute": 36}
